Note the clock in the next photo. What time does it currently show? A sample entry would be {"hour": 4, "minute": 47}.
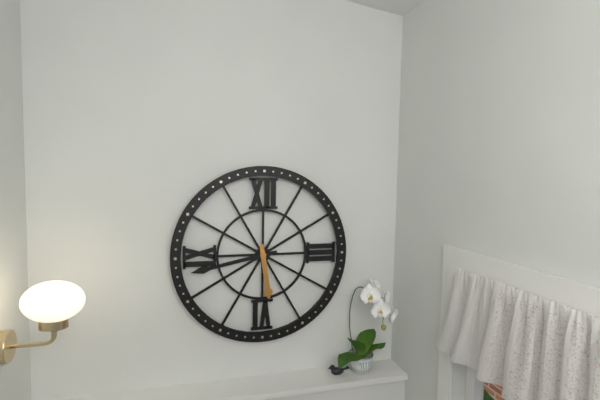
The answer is {"hour": 5, "minute": 43}
